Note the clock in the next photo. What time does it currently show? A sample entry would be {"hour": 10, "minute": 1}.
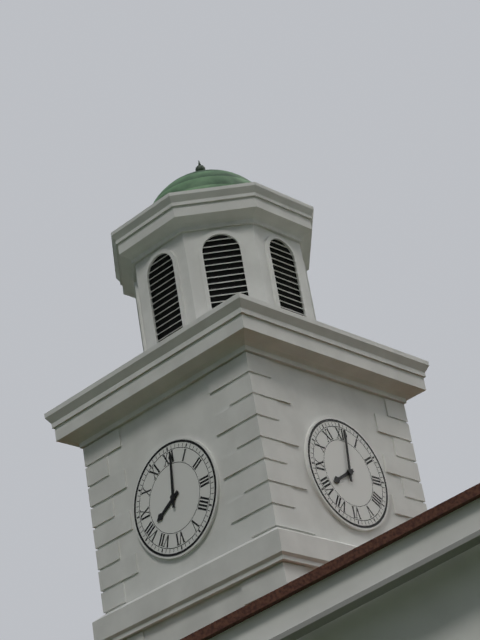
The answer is {"hour": 8, "minute": 1}
